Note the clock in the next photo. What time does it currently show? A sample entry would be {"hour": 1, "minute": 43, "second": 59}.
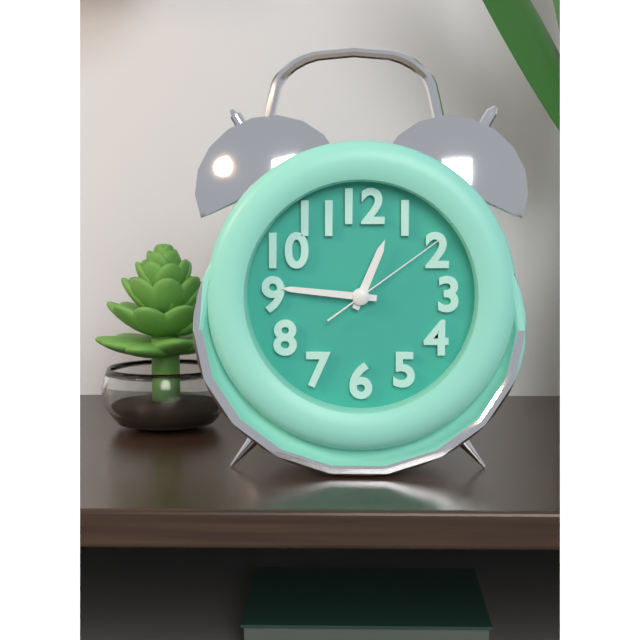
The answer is {"hour": 12, "minute": 46, "second": 9}
